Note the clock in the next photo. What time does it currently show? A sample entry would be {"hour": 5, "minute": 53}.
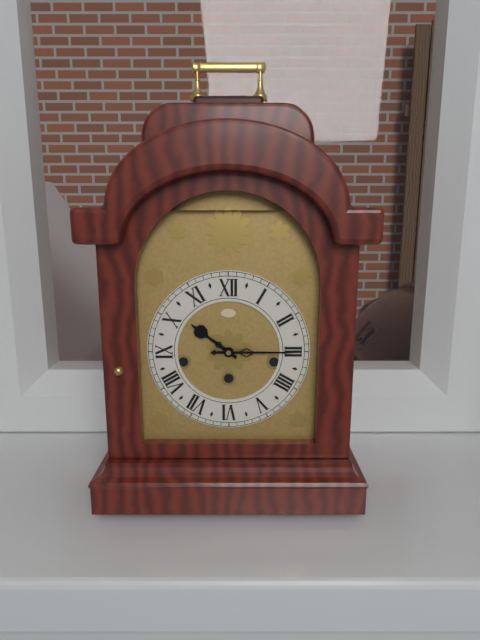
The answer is {"hour": 10, "minute": 15}
